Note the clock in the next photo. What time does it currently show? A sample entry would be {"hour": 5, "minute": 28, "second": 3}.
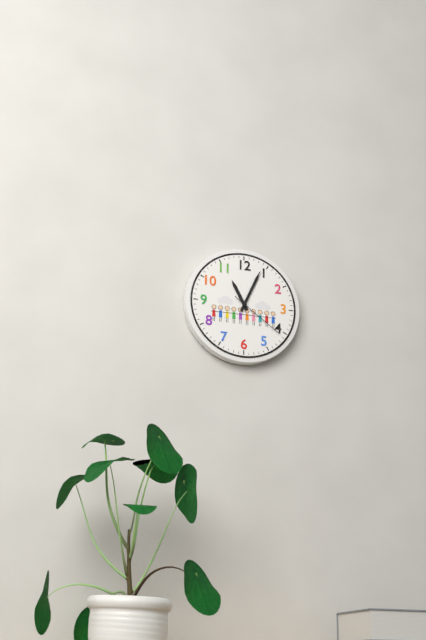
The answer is {"hour": 11, "minute": 4, "second": 21}
